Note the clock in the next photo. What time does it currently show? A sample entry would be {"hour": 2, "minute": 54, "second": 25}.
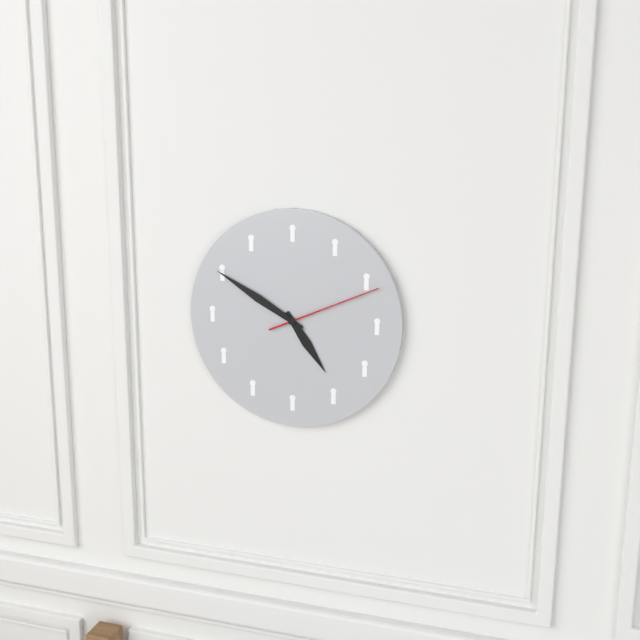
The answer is {"hour": 4, "minute": 50, "second": 11}
